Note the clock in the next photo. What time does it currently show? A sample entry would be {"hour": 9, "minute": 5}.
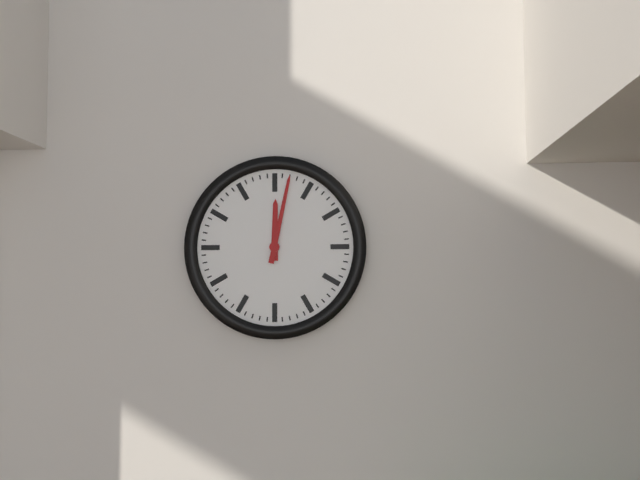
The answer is {"hour": 12, "minute": 2}
